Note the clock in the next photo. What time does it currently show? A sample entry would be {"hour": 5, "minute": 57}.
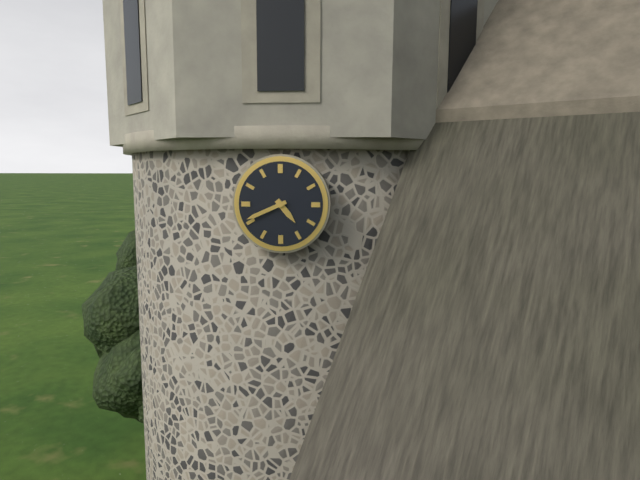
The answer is {"hour": 4, "minute": 41}
